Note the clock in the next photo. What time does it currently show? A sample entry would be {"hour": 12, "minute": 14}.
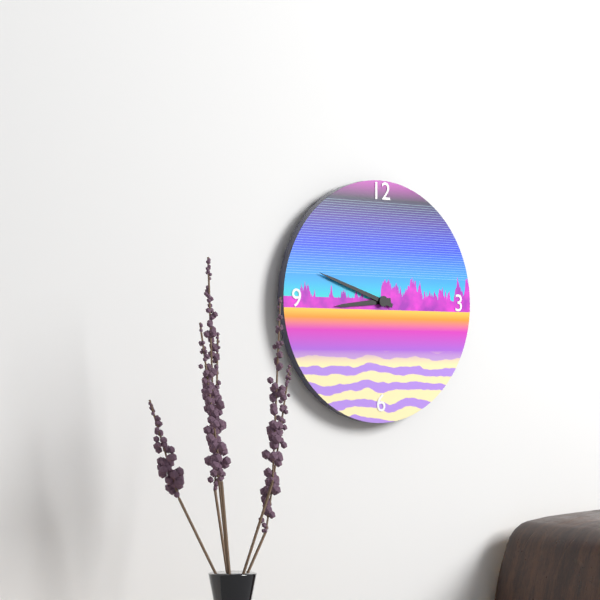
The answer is {"hour": 8, "minute": 48}
